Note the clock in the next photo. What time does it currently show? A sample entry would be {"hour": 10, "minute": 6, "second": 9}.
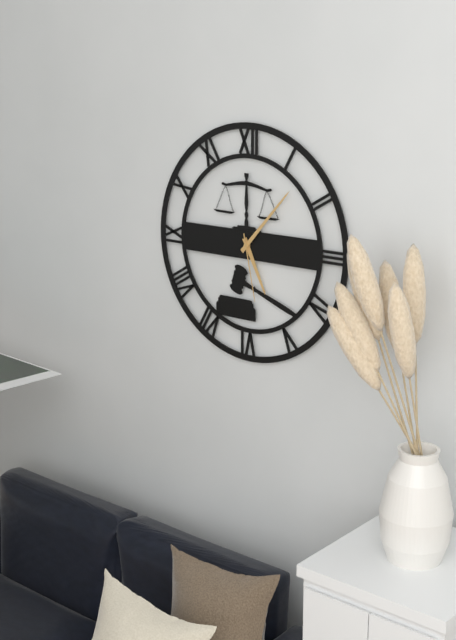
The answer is {"hour": 5, "minute": 7, "second": 28}
